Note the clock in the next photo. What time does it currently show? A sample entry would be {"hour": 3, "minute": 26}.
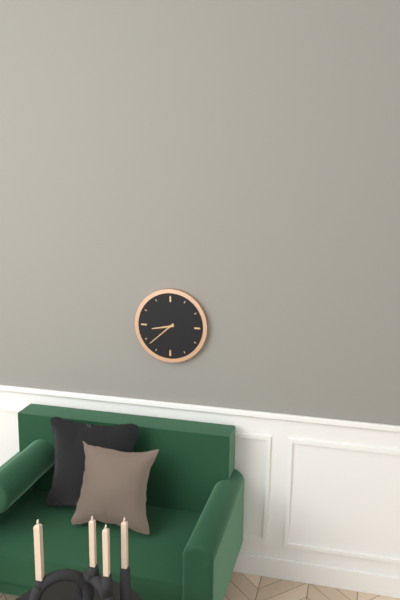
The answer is {"hour": 8, "minute": 38}
